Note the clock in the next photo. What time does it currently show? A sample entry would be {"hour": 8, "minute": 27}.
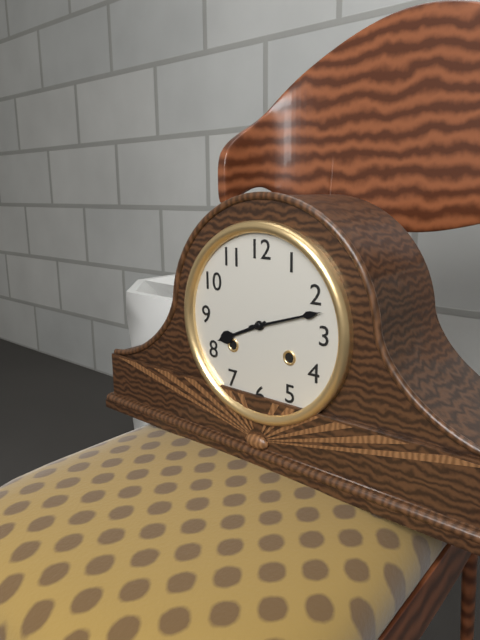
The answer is {"hour": 8, "minute": 12}
